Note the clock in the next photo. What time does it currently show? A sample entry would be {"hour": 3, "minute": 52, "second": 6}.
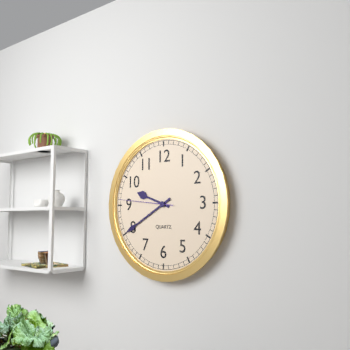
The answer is {"hour": 9, "minute": 40, "second": 46}
